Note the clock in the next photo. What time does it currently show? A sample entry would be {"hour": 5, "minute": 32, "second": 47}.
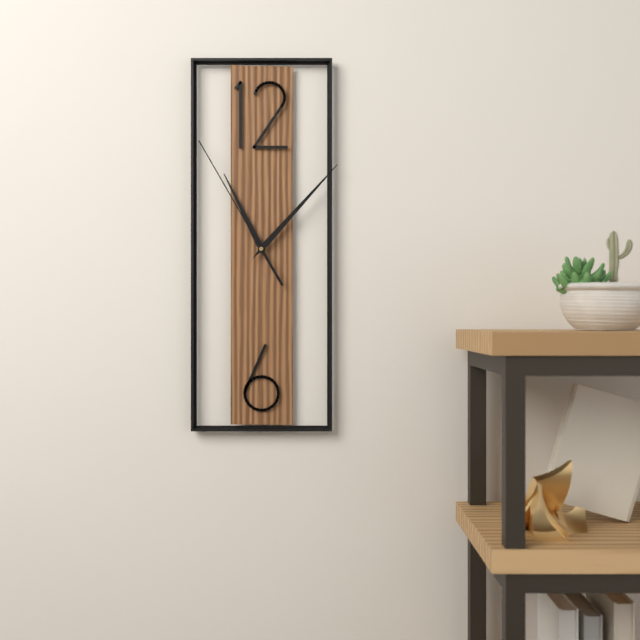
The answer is {"hour": 11, "minute": 7, "second": 55}
